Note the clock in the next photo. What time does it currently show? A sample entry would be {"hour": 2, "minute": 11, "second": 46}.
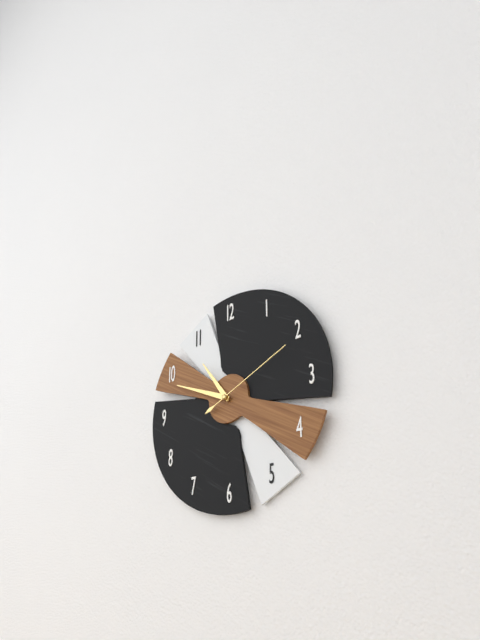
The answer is {"hour": 10, "minute": 49, "second": 11}
